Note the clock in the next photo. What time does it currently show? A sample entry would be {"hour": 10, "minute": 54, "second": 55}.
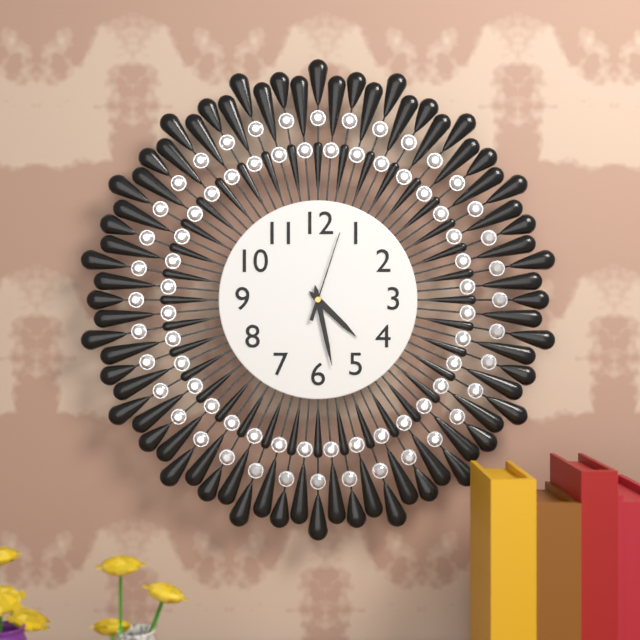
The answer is {"hour": 4, "minute": 28, "second": 3}
